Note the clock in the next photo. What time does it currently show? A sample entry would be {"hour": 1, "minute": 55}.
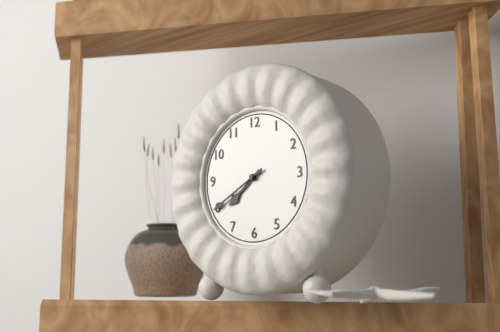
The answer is {"hour": 7, "minute": 40}
